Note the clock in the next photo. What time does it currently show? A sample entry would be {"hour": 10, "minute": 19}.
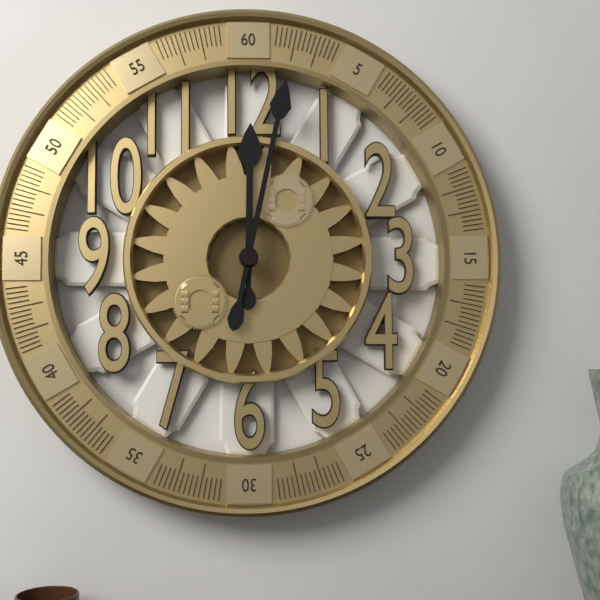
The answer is {"hour": 12, "minute": 2}
